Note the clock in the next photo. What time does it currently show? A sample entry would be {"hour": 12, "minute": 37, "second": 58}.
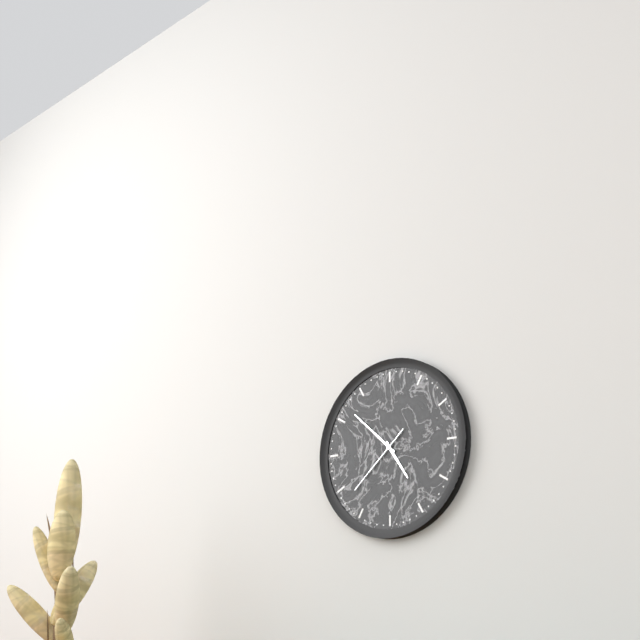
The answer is {"hour": 4, "minute": 52, "second": 38}
